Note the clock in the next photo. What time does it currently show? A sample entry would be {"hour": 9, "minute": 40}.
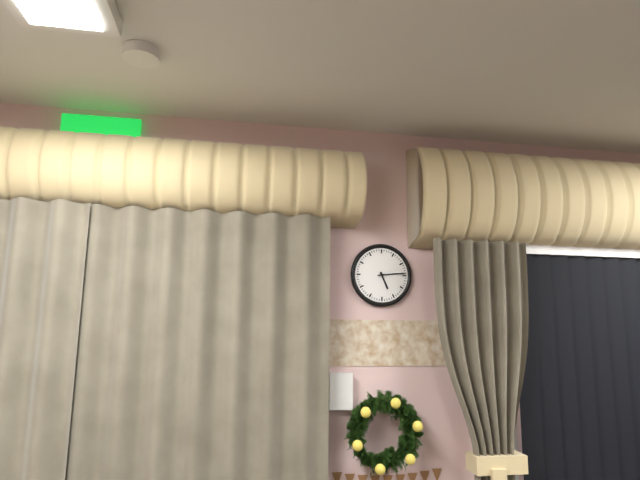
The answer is {"hour": 5, "minute": 14}
